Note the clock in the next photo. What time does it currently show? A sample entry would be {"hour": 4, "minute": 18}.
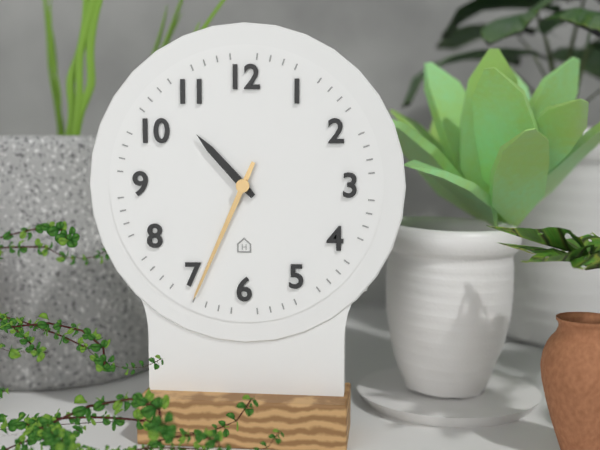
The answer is {"hour": 10, "minute": 34}
